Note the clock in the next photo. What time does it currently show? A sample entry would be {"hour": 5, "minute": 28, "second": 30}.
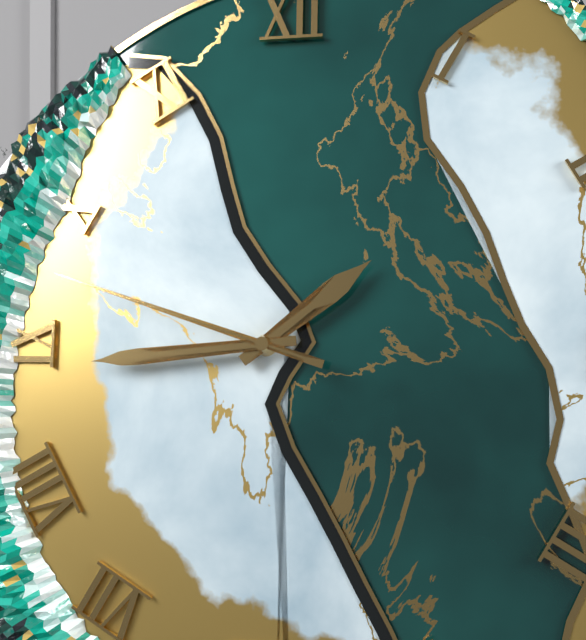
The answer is {"hour": 1, "minute": 44, "second": 48}
